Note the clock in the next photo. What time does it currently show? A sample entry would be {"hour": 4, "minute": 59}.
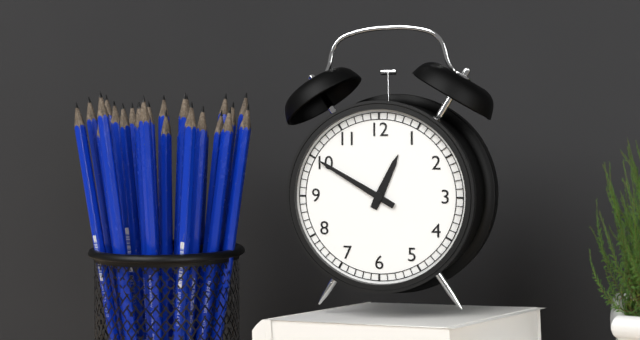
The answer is {"hour": 12, "minute": 50}
